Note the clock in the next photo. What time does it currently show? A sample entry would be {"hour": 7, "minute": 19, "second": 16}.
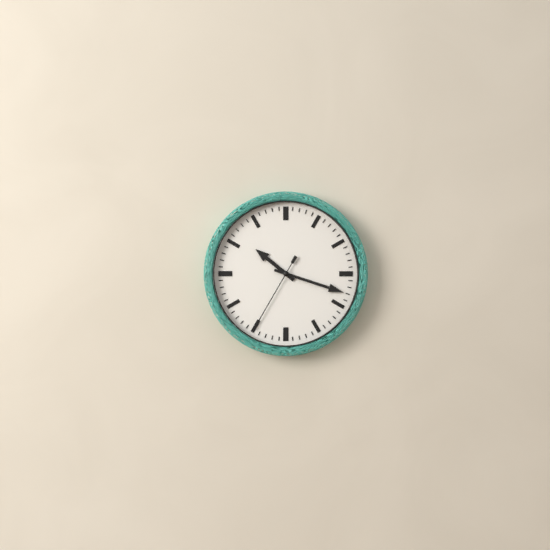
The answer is {"hour": 10, "minute": 18, "second": 35}
